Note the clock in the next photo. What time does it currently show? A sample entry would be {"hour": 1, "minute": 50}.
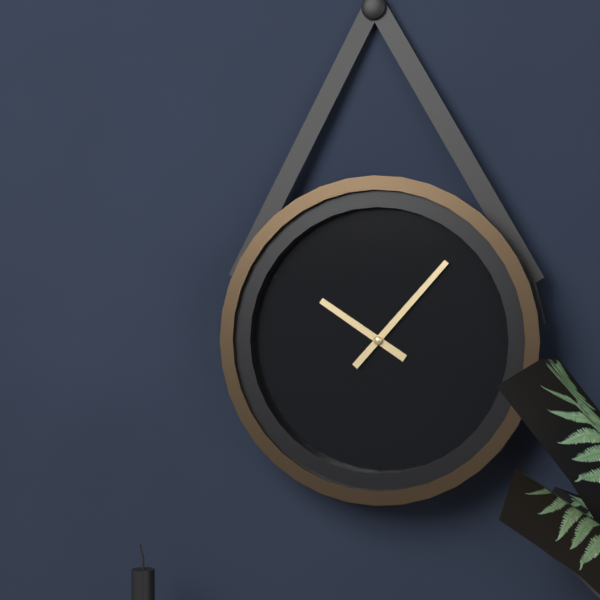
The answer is {"hour": 10, "minute": 7}
